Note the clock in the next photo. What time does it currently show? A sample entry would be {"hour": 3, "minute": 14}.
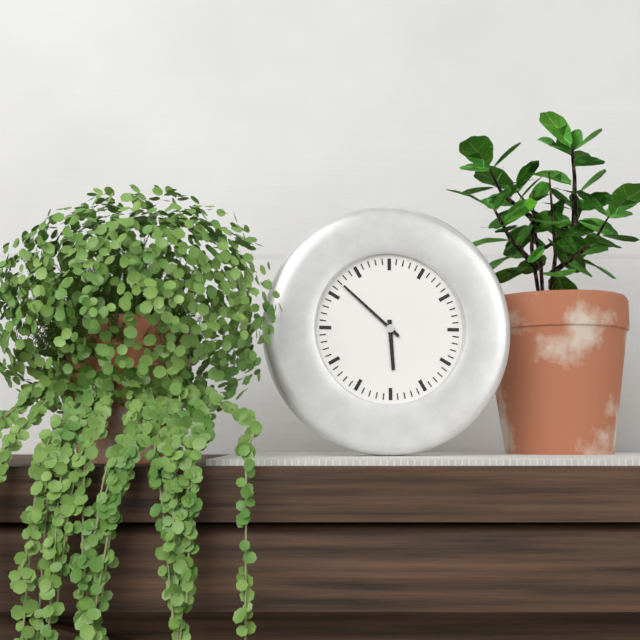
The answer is {"hour": 5, "minute": 52}
